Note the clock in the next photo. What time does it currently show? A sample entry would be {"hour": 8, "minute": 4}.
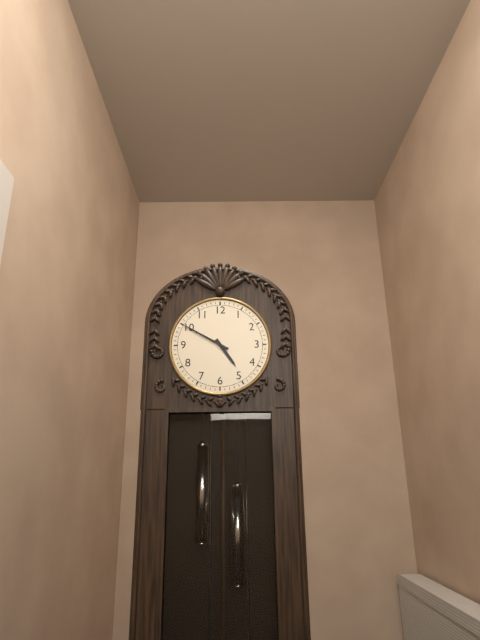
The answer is {"hour": 4, "minute": 50}
